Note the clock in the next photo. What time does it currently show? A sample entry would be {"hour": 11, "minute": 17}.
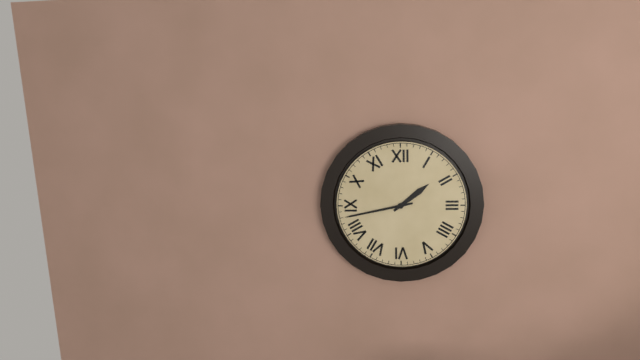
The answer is {"hour": 1, "minute": 43}
